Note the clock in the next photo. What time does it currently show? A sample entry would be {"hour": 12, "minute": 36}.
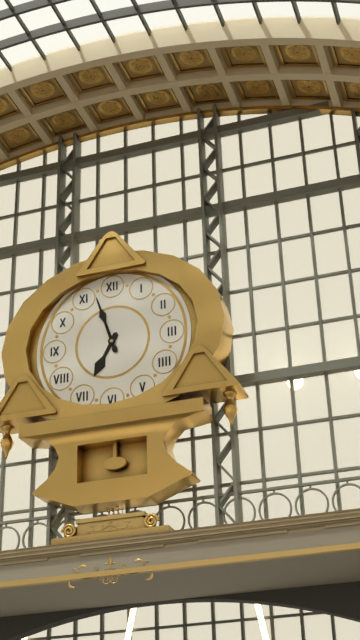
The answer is {"hour": 6, "minute": 57}
